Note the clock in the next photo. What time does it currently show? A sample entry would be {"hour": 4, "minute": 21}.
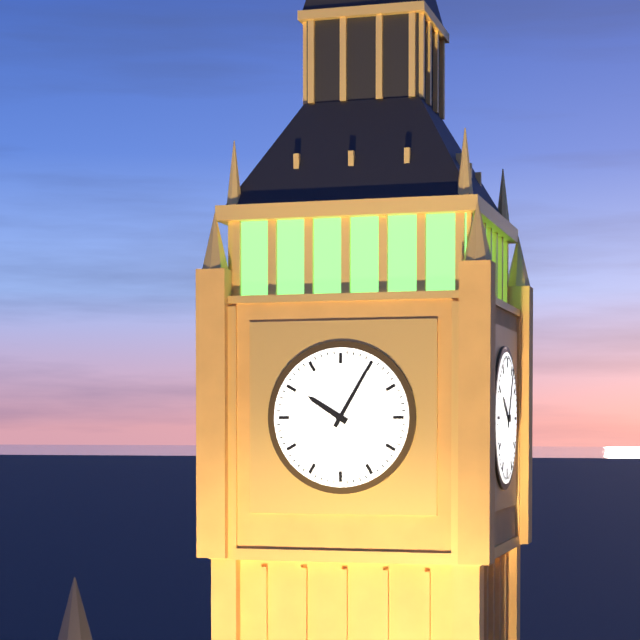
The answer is {"hour": 10, "minute": 5}
